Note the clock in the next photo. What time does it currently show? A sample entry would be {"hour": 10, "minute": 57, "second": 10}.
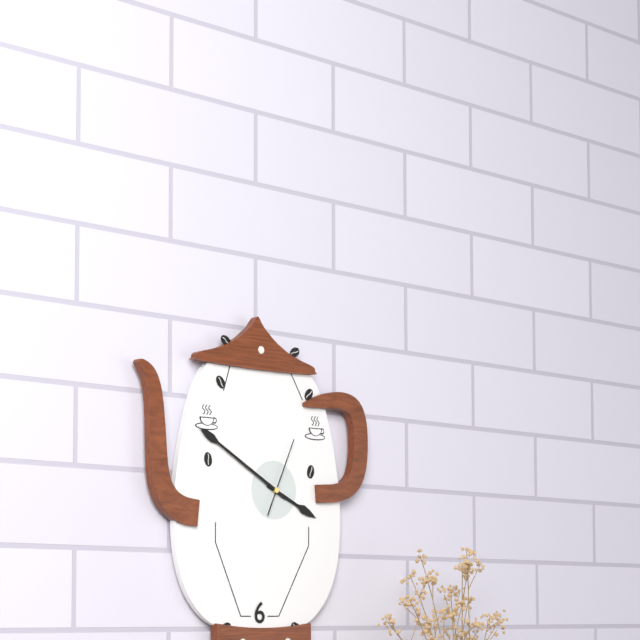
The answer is {"hour": 3, "minute": 50, "second": 4}
